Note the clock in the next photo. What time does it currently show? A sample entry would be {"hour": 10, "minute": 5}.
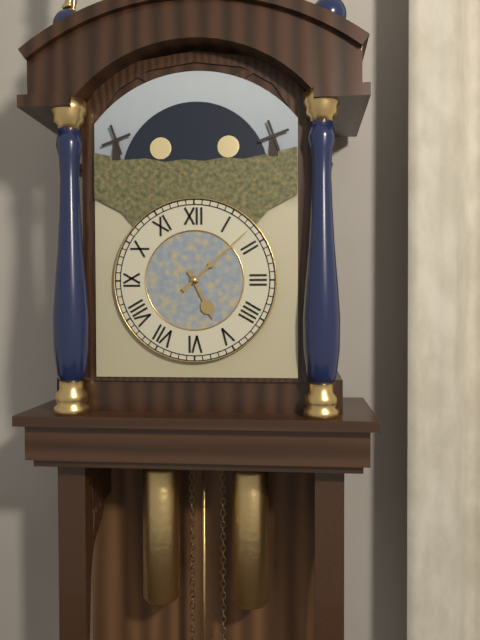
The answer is {"hour": 5, "minute": 8}
